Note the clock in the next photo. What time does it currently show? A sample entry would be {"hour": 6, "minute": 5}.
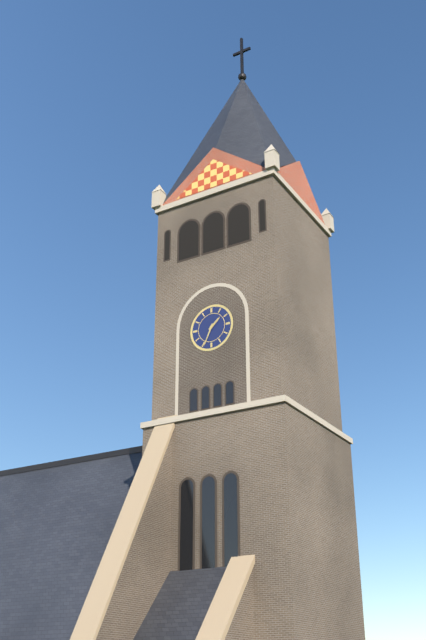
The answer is {"hour": 1, "minute": 34}
